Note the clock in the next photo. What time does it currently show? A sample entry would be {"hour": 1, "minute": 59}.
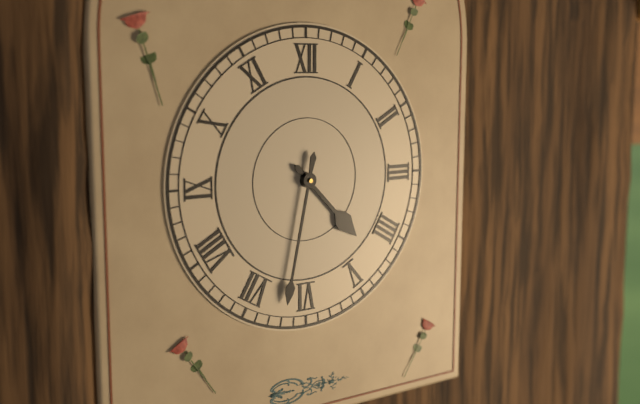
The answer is {"hour": 4, "minute": 32}
